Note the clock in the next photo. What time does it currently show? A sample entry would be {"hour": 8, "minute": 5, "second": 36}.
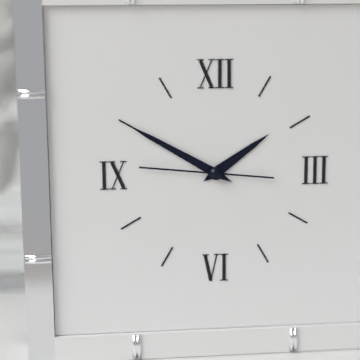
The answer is {"hour": 1, "minute": 50, "second": 46}
